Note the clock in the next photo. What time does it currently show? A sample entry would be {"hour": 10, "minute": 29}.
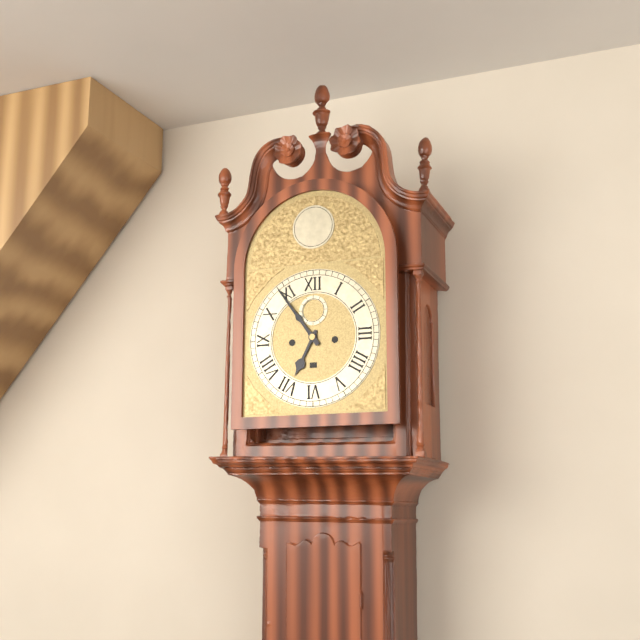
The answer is {"hour": 6, "minute": 54}
